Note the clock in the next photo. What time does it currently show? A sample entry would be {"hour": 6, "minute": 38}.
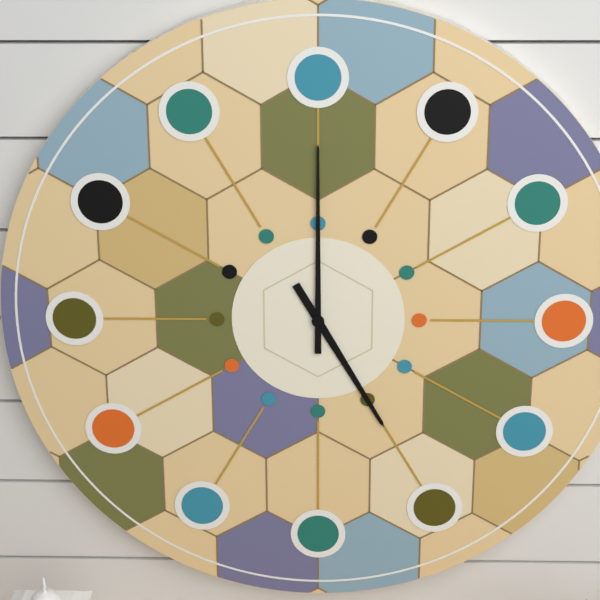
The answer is {"hour": 5, "minute": 0}
